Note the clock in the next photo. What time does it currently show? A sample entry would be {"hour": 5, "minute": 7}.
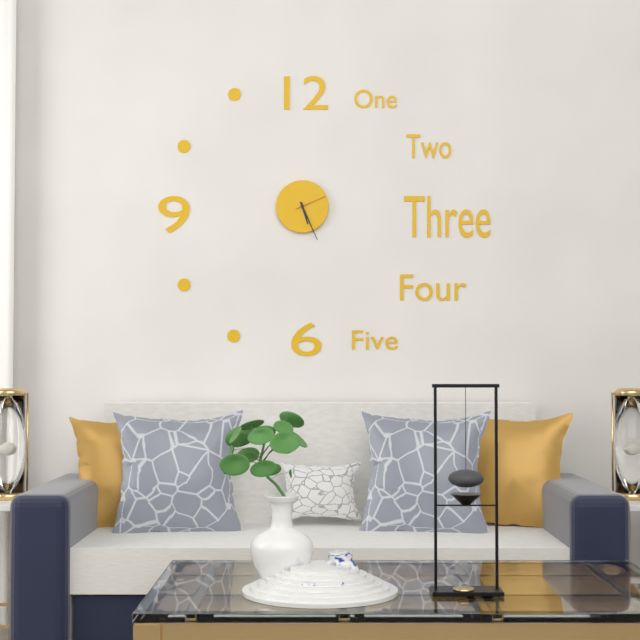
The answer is {"hour": 5, "minute": 26}
